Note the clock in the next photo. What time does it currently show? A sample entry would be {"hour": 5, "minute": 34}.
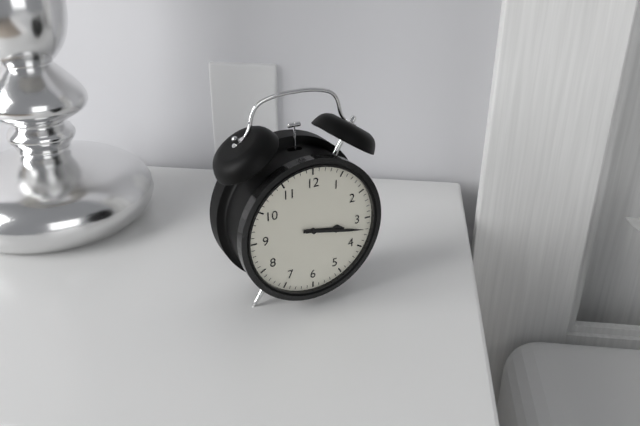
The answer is {"hour": 3, "minute": 17}
